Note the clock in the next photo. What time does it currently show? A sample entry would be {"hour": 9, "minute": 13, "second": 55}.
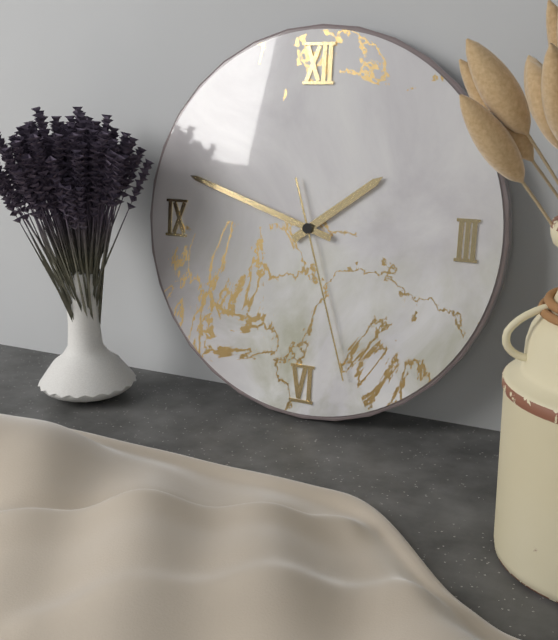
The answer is {"hour": 1, "minute": 48, "second": 27}
